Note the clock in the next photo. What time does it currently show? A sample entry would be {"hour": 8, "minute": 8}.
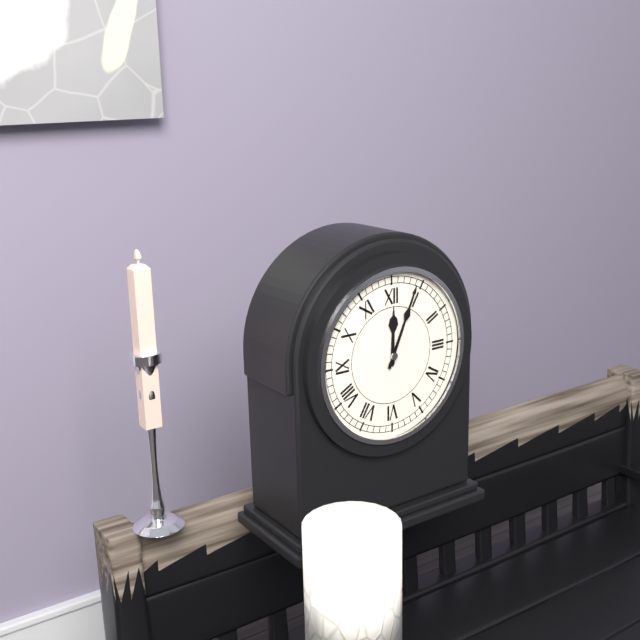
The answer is {"hour": 12, "minute": 4}
